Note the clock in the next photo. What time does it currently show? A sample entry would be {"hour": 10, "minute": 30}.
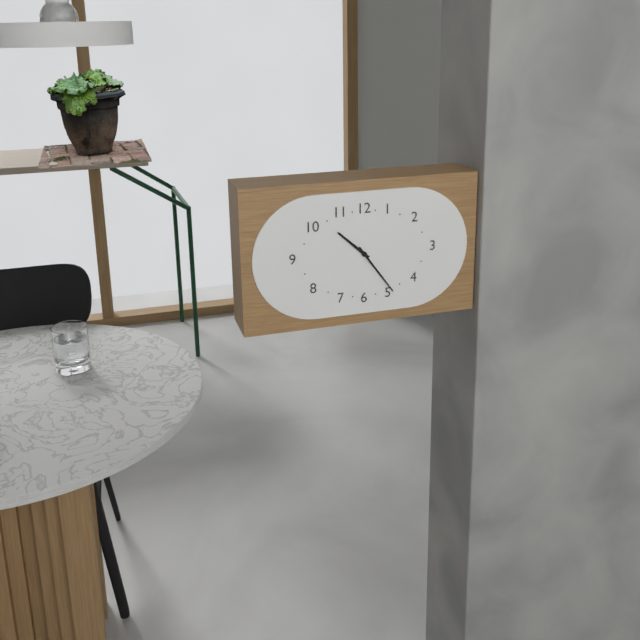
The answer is {"hour": 10, "minute": 24}
